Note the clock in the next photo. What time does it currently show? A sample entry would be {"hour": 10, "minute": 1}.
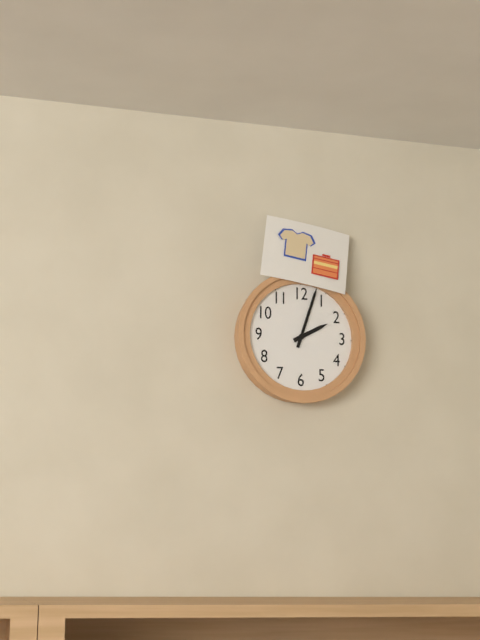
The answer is {"hour": 2, "minute": 3}
